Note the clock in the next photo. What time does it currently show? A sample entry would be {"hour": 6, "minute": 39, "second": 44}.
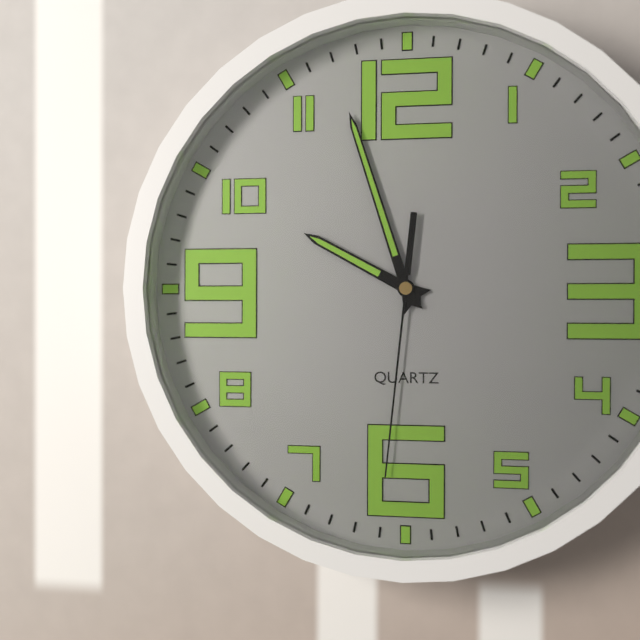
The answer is {"hour": 9, "minute": 57, "second": 31}
